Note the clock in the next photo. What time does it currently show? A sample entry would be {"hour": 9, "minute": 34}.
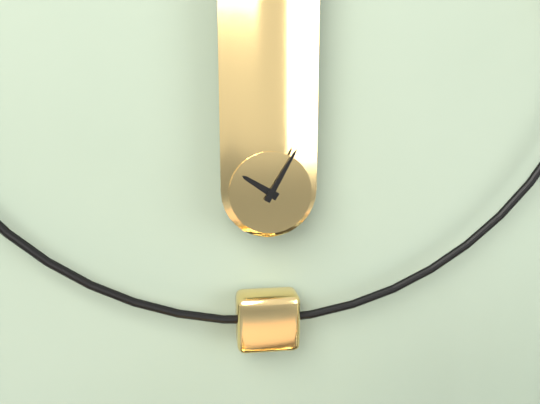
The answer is {"hour": 10, "minute": 5}
